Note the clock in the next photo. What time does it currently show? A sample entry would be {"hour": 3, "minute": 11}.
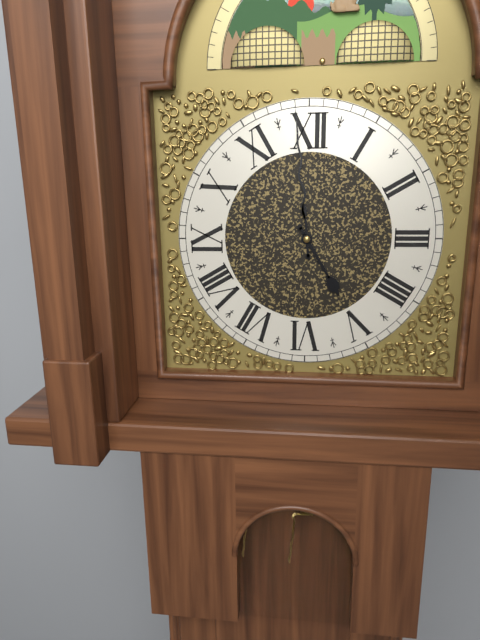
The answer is {"hour": 4, "minute": 59}
